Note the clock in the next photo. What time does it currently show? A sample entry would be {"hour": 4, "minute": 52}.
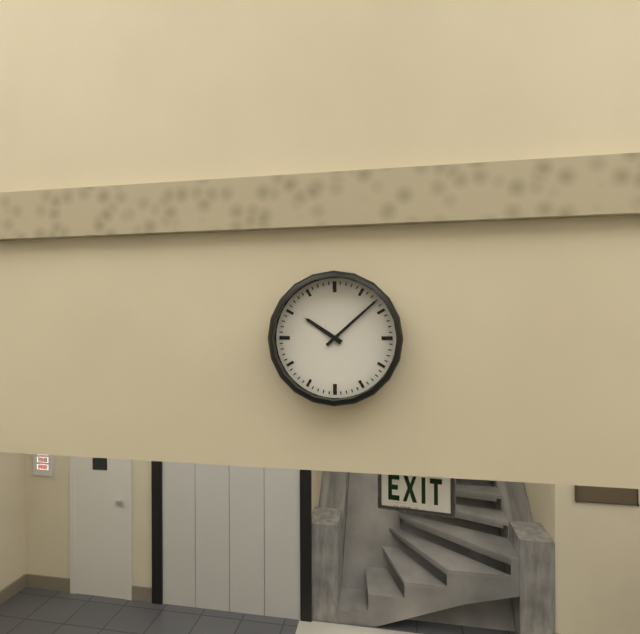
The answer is {"hour": 10, "minute": 8}
